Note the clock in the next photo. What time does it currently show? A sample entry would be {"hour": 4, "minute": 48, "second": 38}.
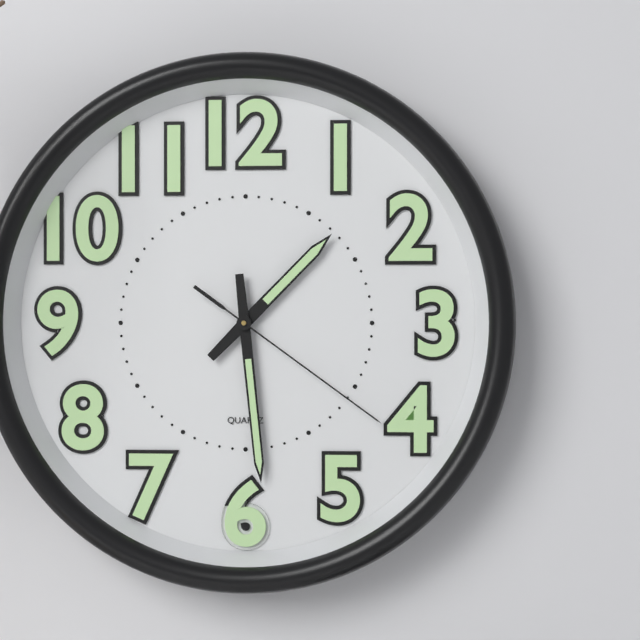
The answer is {"hour": 1, "minute": 29, "second": 21}
